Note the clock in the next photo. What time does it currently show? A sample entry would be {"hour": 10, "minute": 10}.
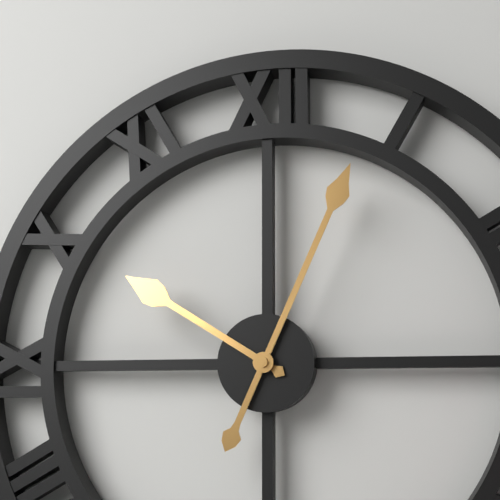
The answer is {"hour": 10, "minute": 4}
